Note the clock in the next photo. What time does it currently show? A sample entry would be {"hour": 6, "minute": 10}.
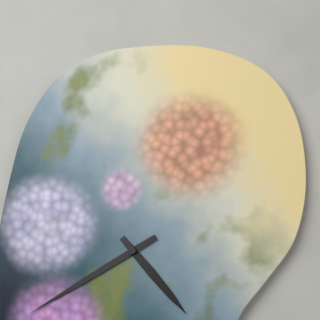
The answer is {"hour": 4, "minute": 40}
